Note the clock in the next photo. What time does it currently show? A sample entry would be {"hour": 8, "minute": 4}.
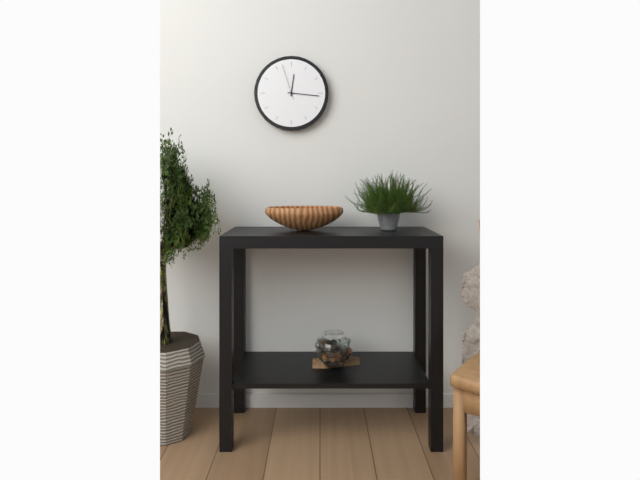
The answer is {"hour": 12, "minute": 16}
